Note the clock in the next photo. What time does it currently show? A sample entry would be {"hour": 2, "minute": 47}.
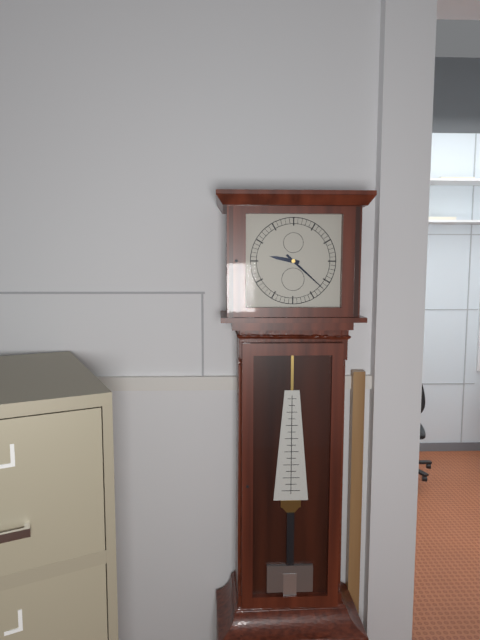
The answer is {"hour": 9, "minute": 22}
